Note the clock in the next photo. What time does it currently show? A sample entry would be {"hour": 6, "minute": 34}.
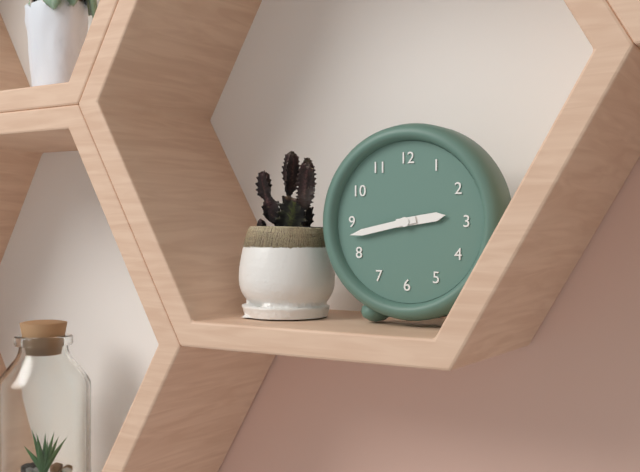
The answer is {"hour": 2, "minute": 43}
